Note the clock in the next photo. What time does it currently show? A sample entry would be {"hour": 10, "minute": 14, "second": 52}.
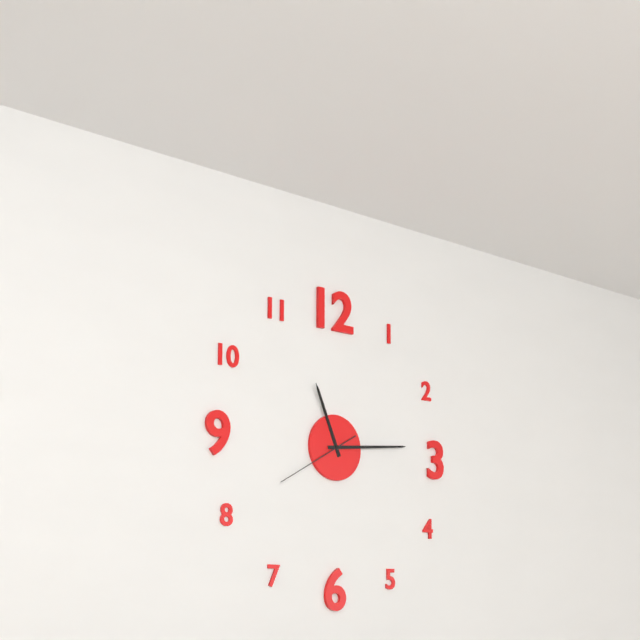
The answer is {"hour": 11, "minute": 14, "second": 40}
